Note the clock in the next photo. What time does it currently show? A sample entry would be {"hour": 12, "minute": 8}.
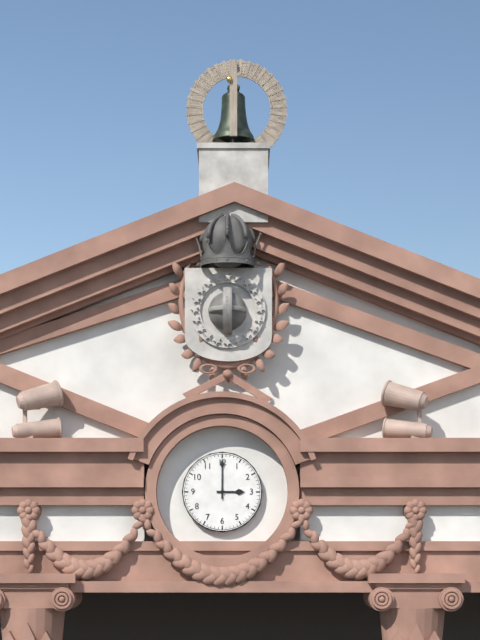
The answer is {"hour": 3, "minute": 0}
